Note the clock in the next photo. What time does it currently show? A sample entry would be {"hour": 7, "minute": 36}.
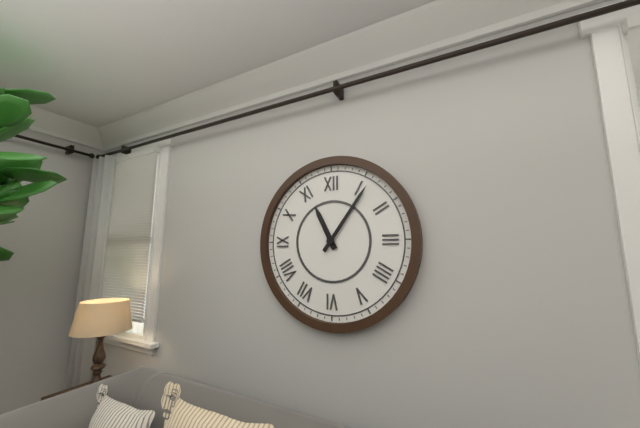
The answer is {"hour": 11, "minute": 6}
